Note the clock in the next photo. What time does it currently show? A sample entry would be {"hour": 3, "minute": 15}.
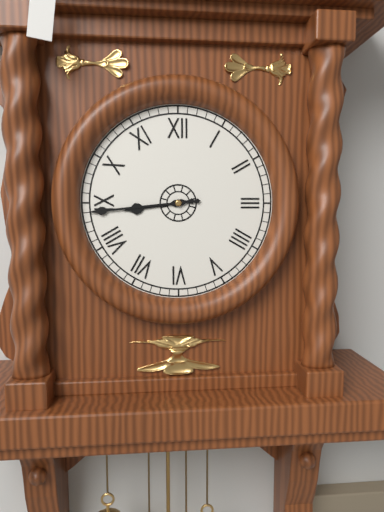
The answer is {"hour": 8, "minute": 44}
